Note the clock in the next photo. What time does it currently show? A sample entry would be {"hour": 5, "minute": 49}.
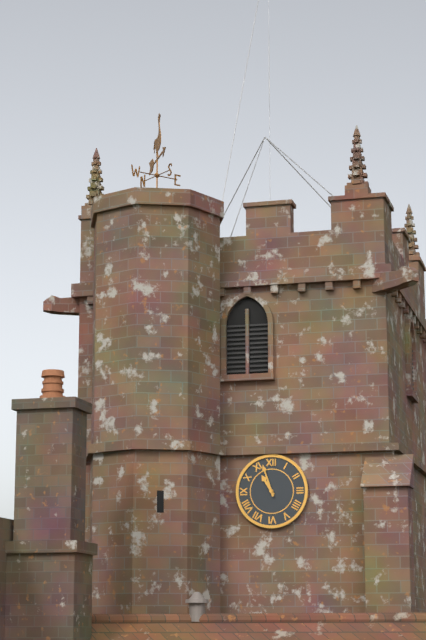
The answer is {"hour": 10, "minute": 57}
